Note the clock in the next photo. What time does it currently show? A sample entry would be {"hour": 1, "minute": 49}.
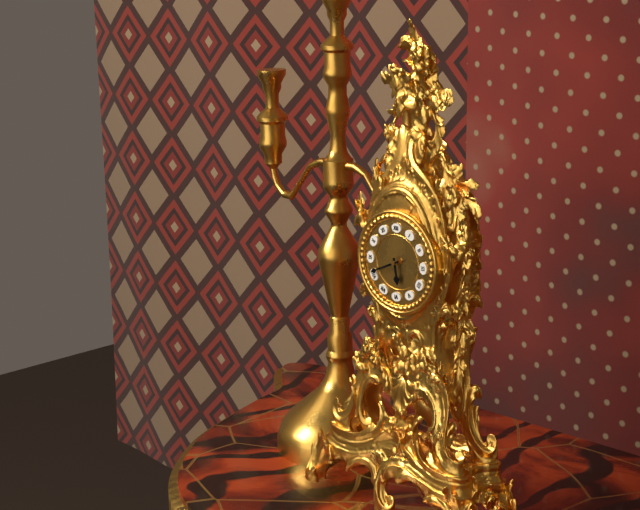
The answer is {"hour": 5, "minute": 41}
